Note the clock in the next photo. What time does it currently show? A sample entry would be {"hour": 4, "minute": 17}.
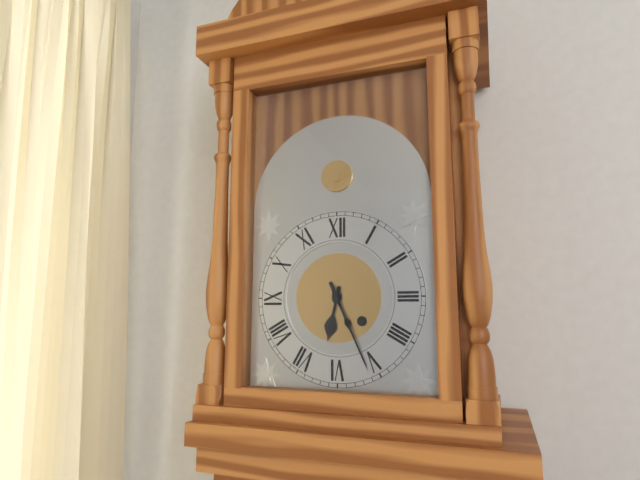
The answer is {"hour": 6, "minute": 26}
